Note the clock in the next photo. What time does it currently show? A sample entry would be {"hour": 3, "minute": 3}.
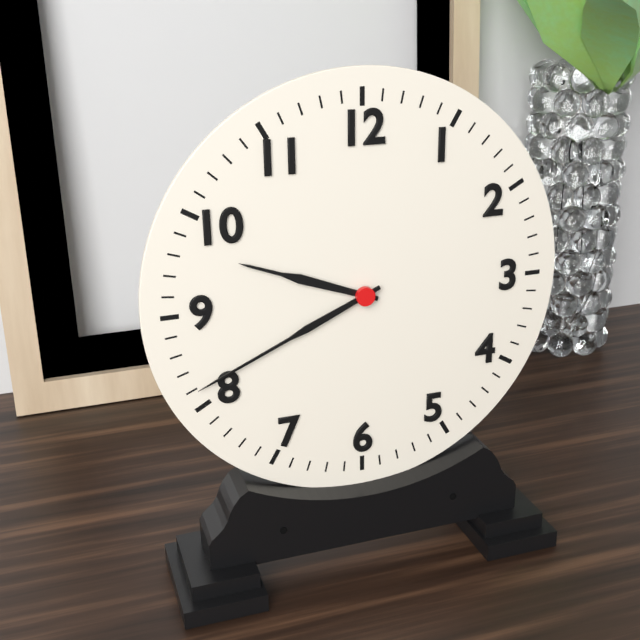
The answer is {"hour": 9, "minute": 41}
